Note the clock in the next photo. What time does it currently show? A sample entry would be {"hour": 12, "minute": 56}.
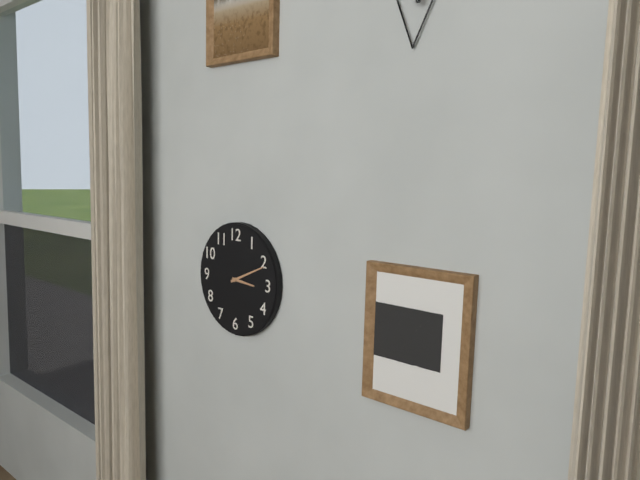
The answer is {"hour": 3, "minute": 11}
